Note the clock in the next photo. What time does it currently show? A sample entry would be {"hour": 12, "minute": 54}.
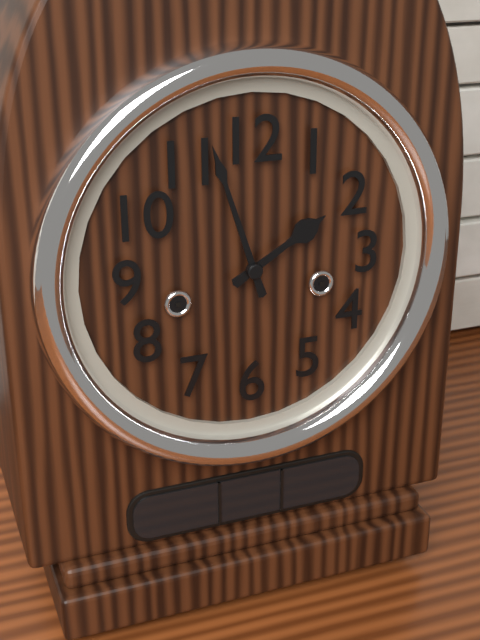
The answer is {"hour": 1, "minute": 57}
